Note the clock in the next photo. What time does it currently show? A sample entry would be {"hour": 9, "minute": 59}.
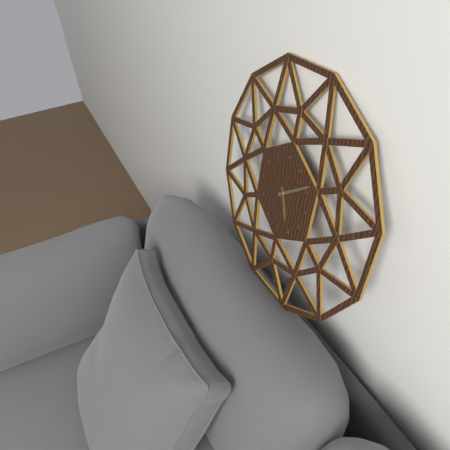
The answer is {"hour": 5, "minute": 9}
